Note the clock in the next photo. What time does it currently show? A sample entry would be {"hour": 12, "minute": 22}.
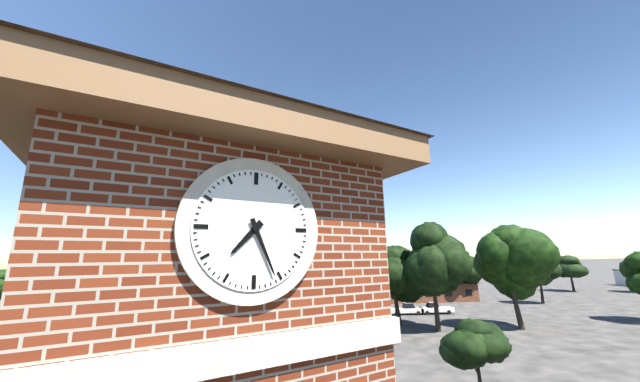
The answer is {"hour": 7, "minute": 26}
